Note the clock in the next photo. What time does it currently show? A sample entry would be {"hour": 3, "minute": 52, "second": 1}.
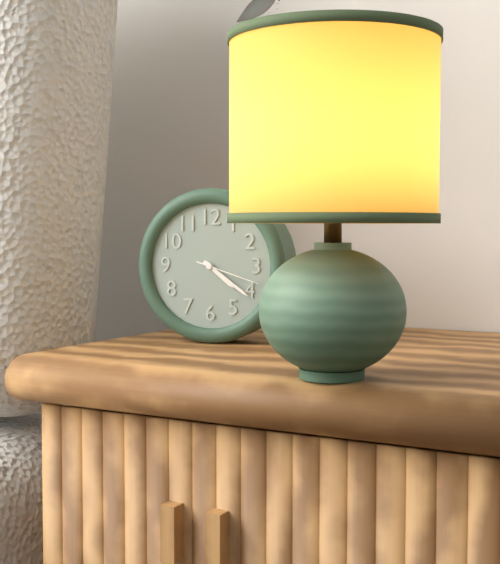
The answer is {"hour": 4, "minute": 21, "second": 18}
